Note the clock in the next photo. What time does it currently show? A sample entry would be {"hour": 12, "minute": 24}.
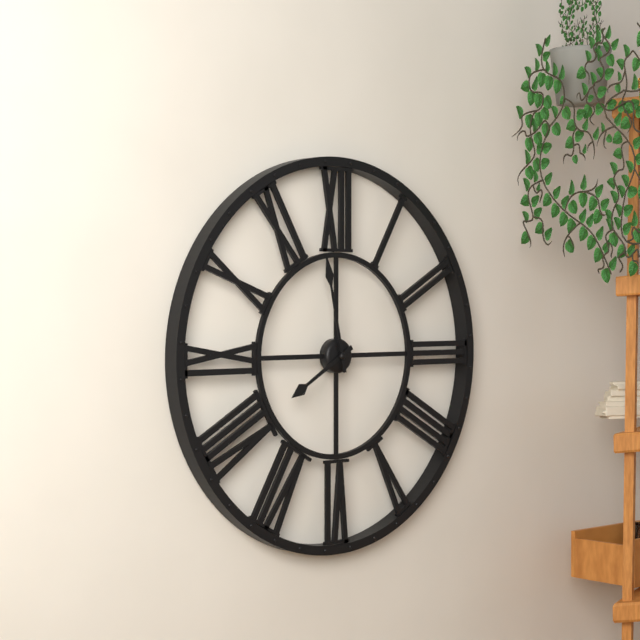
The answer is {"hour": 7, "minute": 58}
